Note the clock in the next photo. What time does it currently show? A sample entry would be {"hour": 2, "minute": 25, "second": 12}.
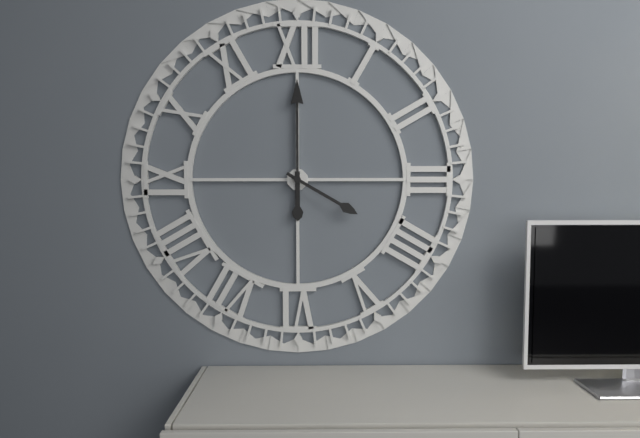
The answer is {"hour": 6, "minute": 0, "second": 20}
